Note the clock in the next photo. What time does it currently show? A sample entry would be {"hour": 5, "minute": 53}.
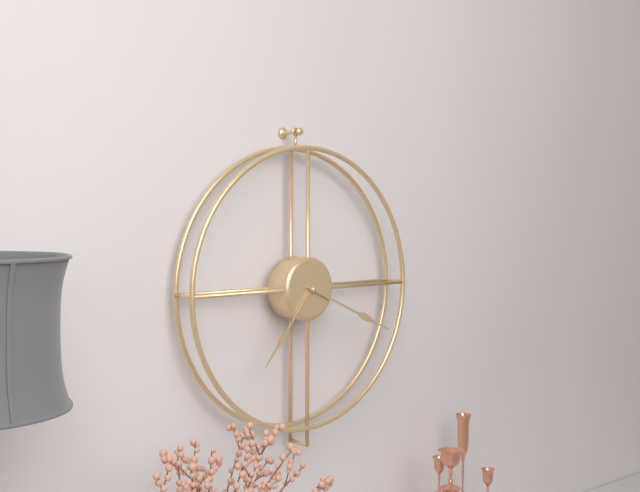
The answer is {"hour": 7, "minute": 19}
